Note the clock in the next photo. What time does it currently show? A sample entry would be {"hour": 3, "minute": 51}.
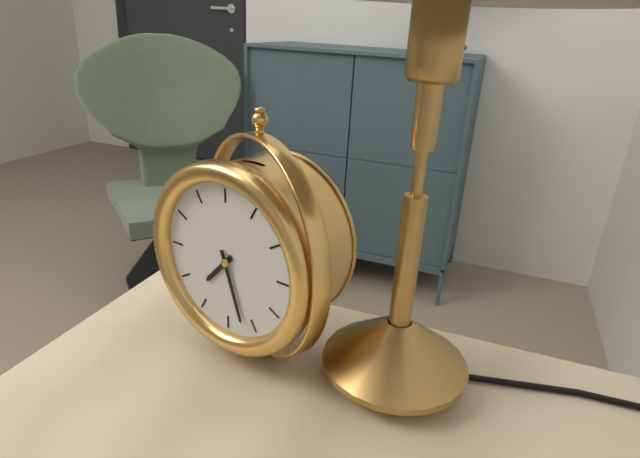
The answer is {"hour": 7, "minute": 27}
